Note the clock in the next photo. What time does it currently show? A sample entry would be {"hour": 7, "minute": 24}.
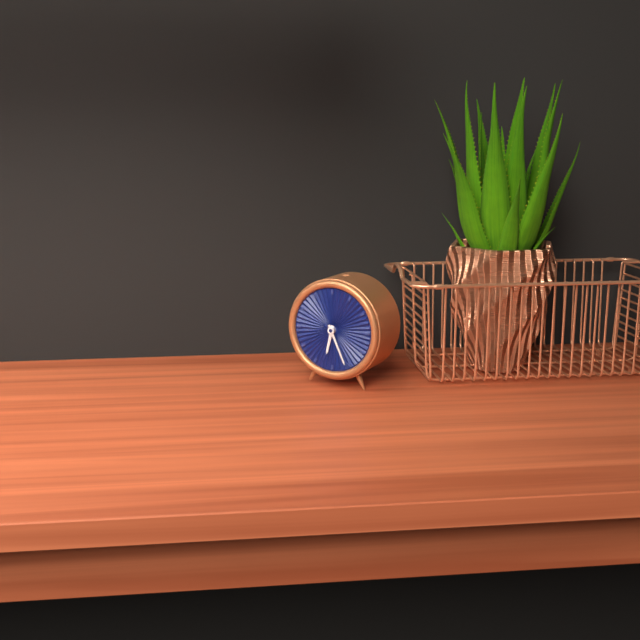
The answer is {"hour": 6, "minute": 26}
